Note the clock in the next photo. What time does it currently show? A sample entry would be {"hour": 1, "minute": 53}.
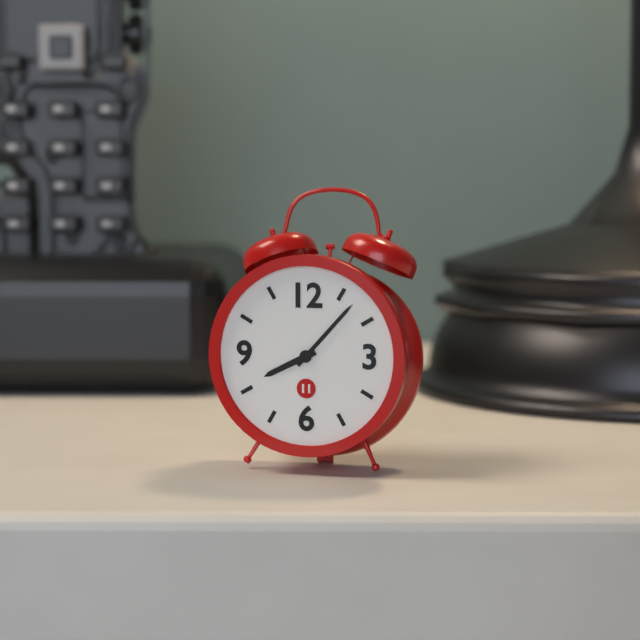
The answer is {"hour": 8, "minute": 7}
